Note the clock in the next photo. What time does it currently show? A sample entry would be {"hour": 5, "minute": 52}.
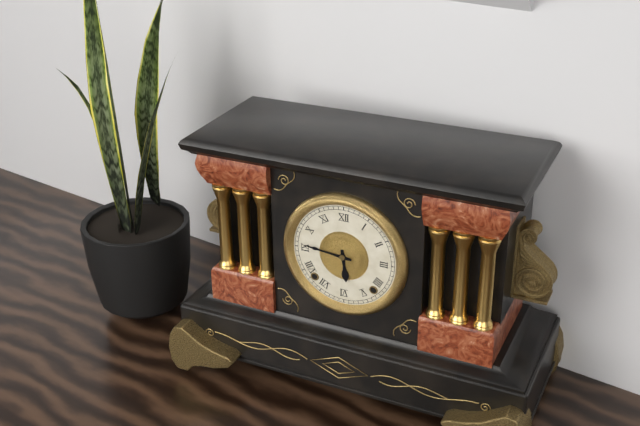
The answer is {"hour": 5, "minute": 46}
